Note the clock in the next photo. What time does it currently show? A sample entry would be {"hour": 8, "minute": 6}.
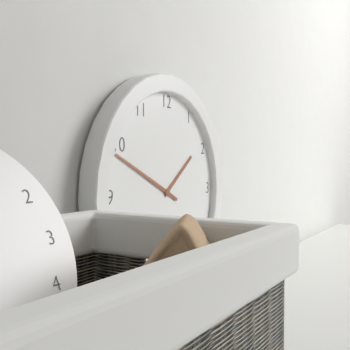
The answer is {"hour": 1, "minute": 49}
